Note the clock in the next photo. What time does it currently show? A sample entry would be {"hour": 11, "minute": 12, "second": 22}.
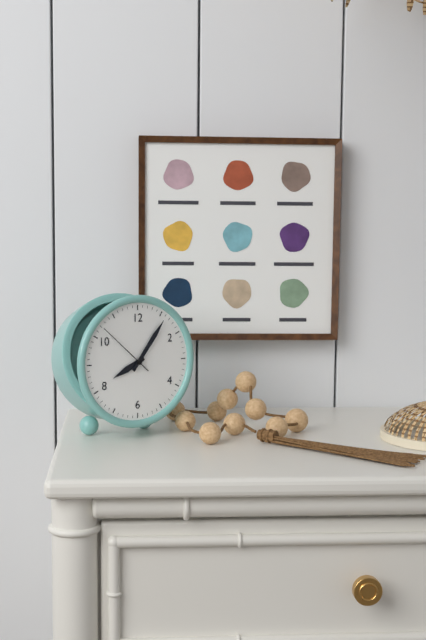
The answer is {"hour": 8, "minute": 6, "second": 52}
